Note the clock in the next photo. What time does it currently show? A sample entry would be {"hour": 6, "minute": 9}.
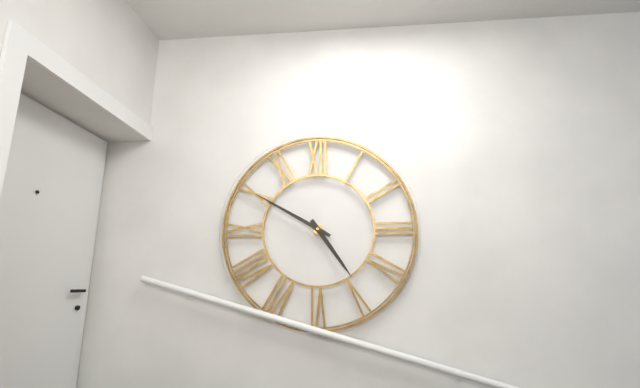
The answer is {"hour": 4, "minute": 50}
